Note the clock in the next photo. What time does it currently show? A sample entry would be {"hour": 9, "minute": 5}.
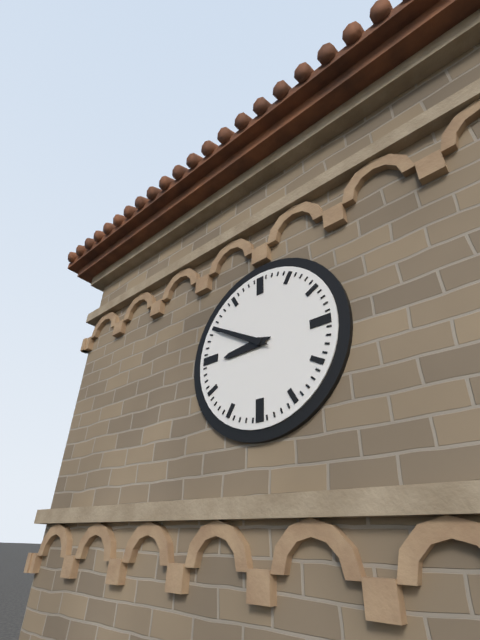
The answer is {"hour": 8, "minute": 50}
